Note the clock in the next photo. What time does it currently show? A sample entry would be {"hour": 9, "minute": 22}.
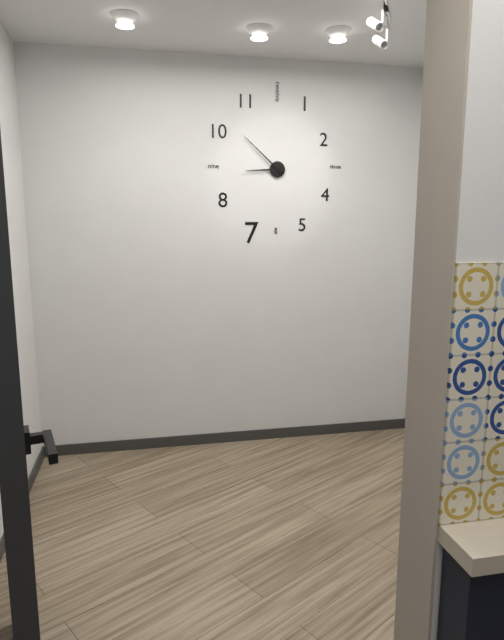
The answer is {"hour": 8, "minute": 52}
